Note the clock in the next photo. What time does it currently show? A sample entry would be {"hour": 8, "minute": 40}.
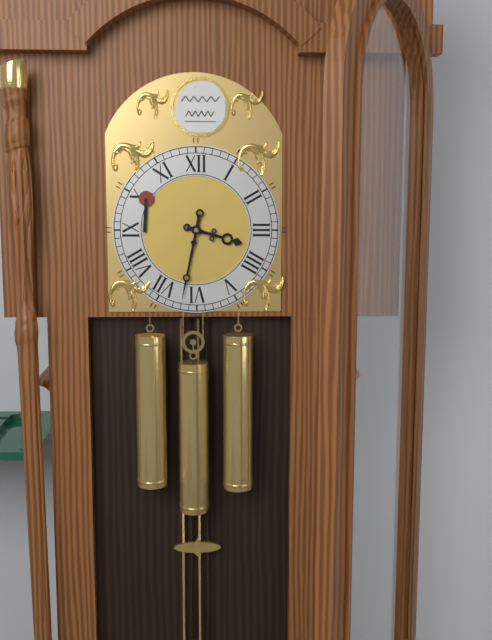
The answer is {"hour": 3, "minute": 32}
